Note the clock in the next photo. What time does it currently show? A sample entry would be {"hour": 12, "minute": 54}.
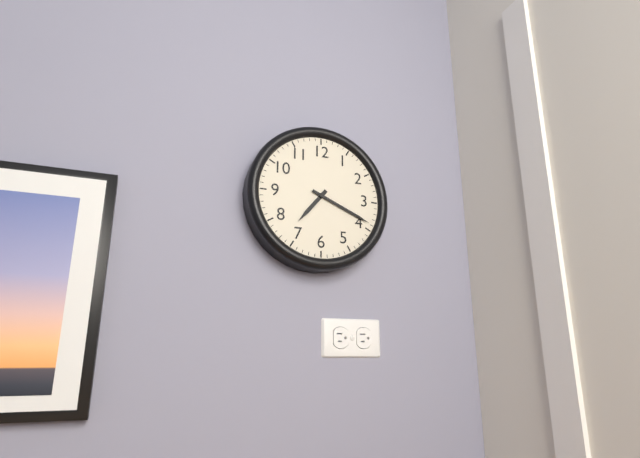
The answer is {"hour": 7, "minute": 19}
